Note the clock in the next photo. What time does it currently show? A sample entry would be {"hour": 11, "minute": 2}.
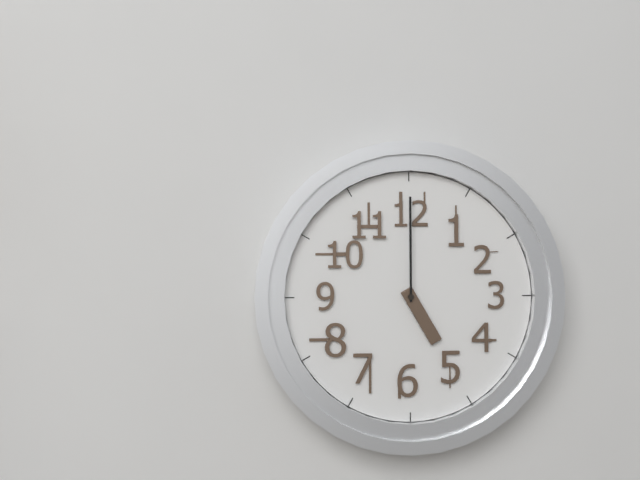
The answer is {"hour": 5, "minute": 0}
